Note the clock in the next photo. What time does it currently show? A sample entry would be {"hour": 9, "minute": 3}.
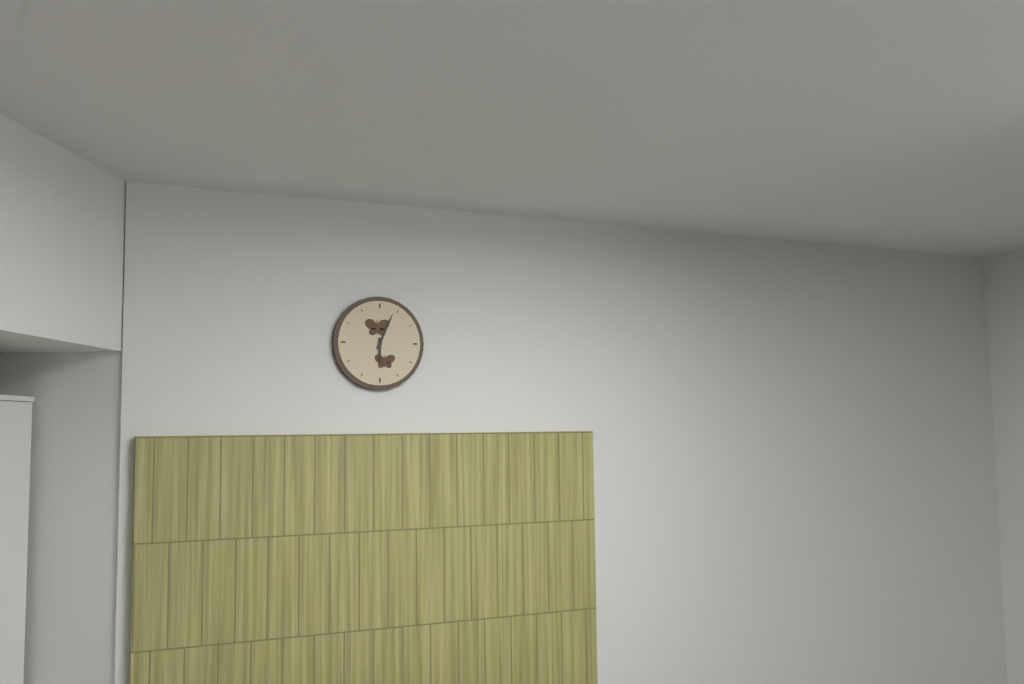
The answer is {"hour": 6, "minute": 4}
